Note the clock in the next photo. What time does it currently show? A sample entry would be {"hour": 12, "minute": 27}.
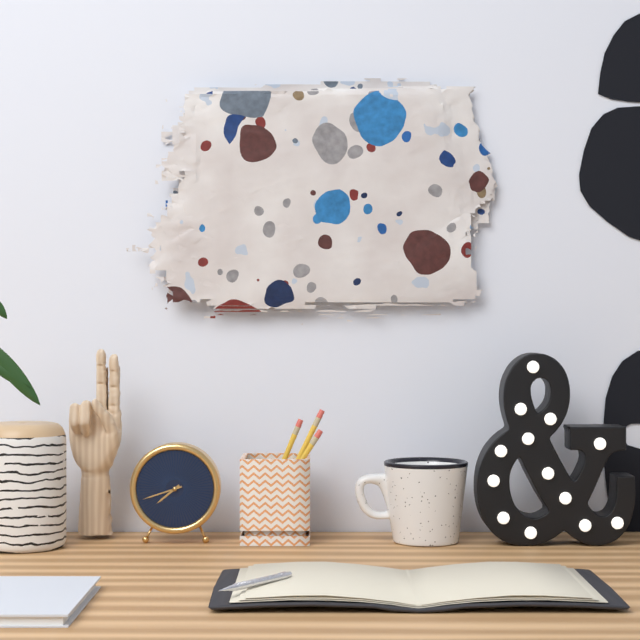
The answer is {"hour": 7, "minute": 42}
